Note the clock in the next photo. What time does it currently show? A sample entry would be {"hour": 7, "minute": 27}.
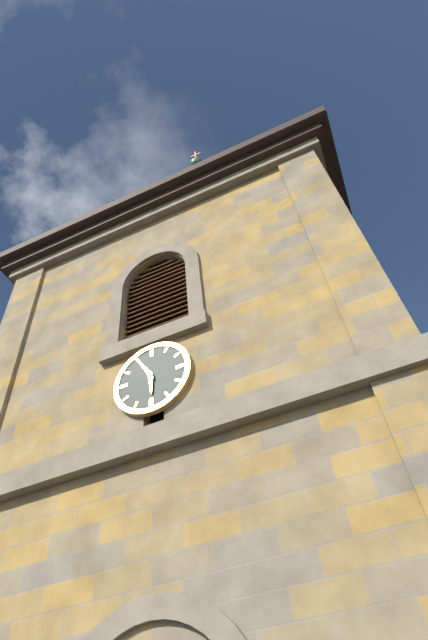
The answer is {"hour": 5, "minute": 55}
